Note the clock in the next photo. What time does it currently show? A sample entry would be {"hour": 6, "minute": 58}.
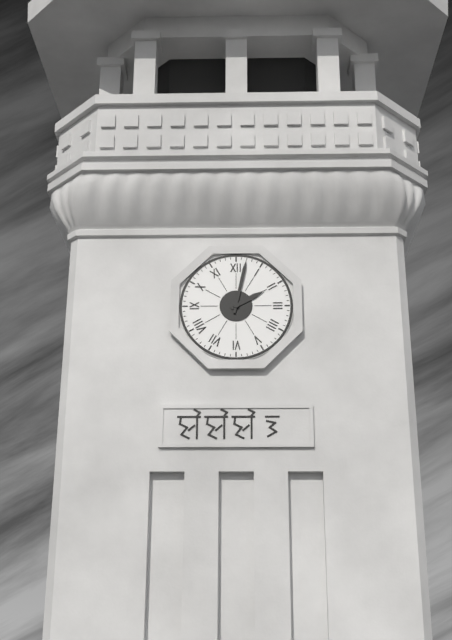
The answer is {"hour": 2, "minute": 2}
